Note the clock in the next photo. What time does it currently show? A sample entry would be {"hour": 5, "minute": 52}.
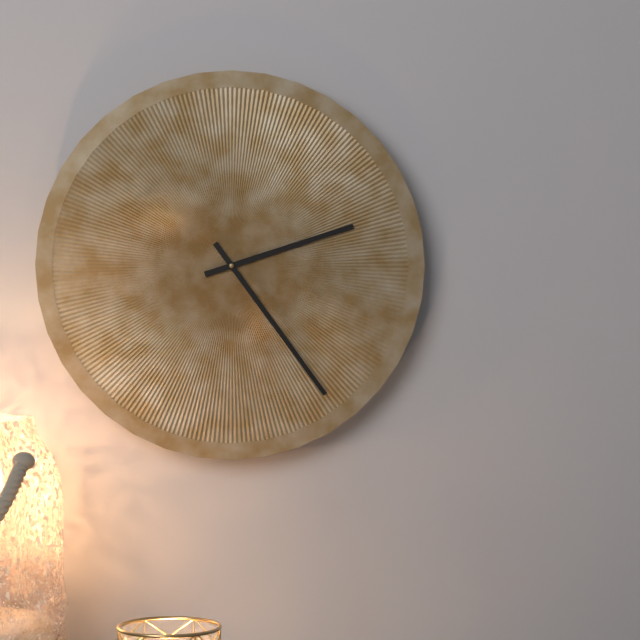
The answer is {"hour": 2, "minute": 24}
